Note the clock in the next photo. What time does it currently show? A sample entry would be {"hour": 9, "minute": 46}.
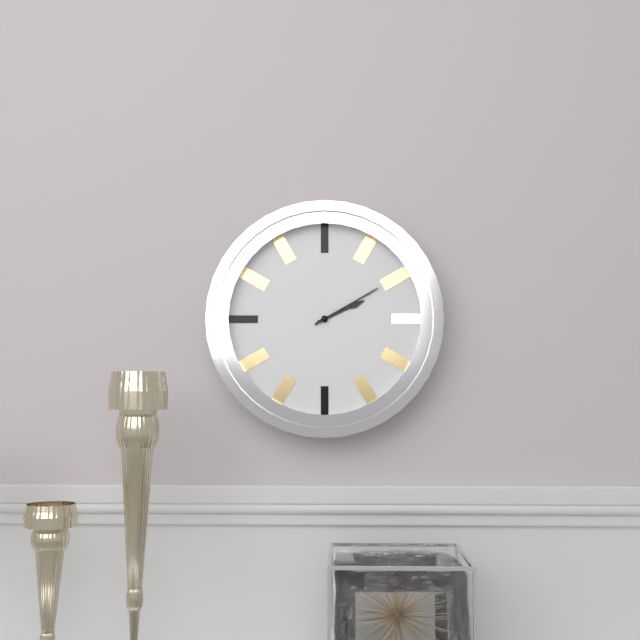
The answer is {"hour": 2, "minute": 10}
